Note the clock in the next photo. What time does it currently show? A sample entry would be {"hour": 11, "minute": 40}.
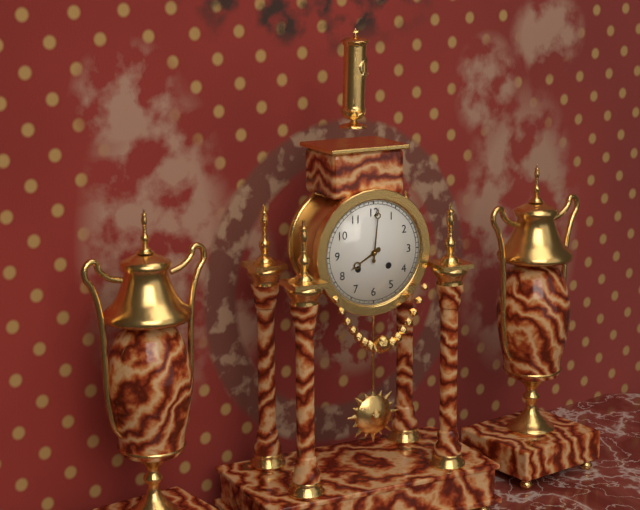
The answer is {"hour": 8, "minute": 1}
